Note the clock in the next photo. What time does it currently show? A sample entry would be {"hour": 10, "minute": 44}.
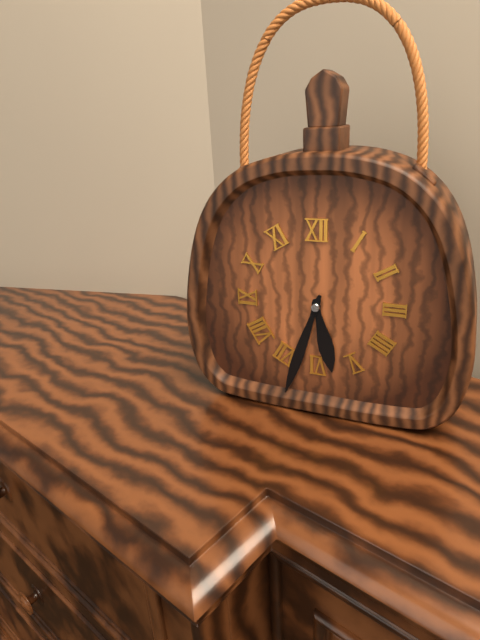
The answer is {"hour": 5, "minute": 33}
